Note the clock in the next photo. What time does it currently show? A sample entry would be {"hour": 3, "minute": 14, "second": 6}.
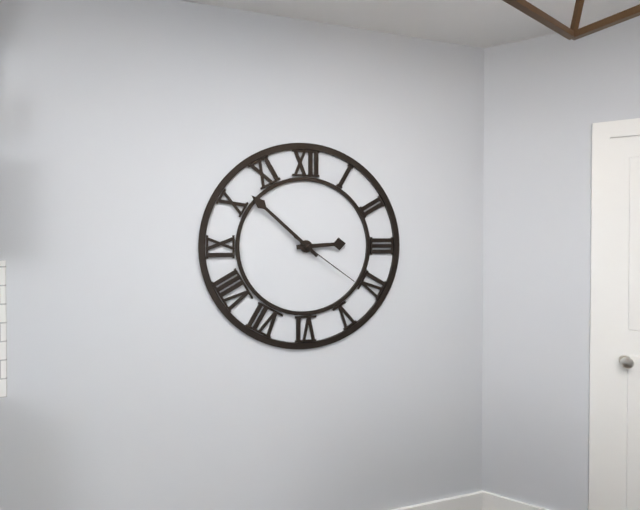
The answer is {"hour": 2, "minute": 52, "second": 21}
